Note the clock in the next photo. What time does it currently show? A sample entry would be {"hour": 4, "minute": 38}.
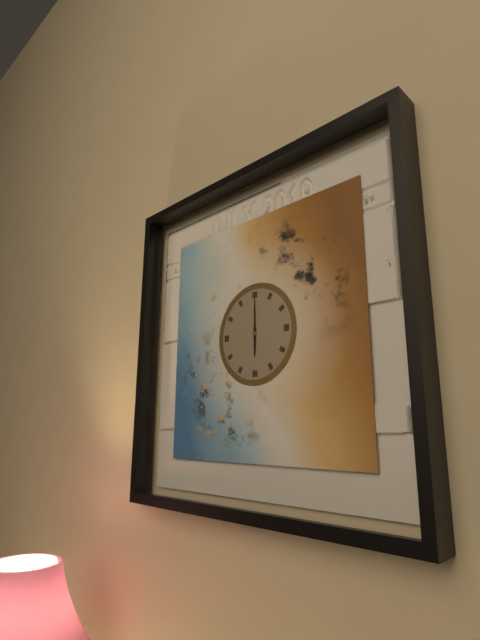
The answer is {"hour": 6, "minute": 0}
